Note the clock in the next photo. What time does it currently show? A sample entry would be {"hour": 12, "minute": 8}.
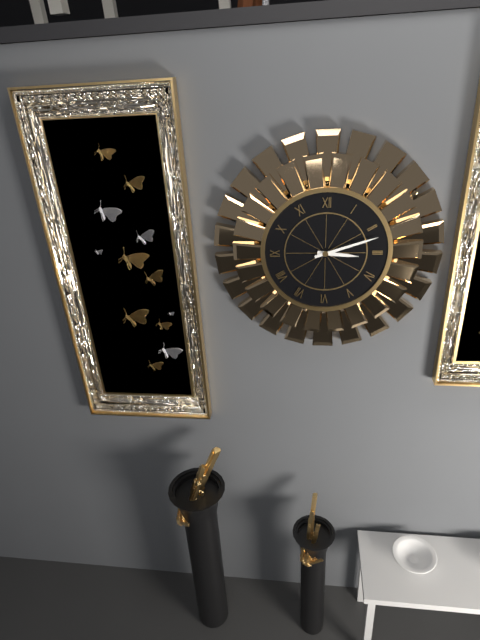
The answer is {"hour": 3, "minute": 12}
